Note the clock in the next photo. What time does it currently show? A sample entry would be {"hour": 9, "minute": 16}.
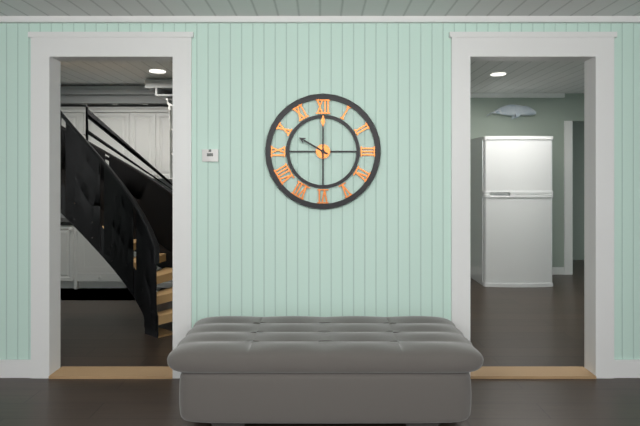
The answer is {"hour": 10, "minute": 0}
